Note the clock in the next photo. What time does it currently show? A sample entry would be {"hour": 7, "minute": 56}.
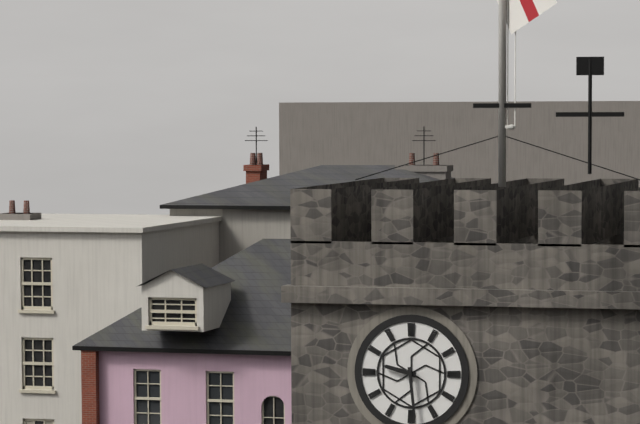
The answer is {"hour": 9, "minute": 29}
